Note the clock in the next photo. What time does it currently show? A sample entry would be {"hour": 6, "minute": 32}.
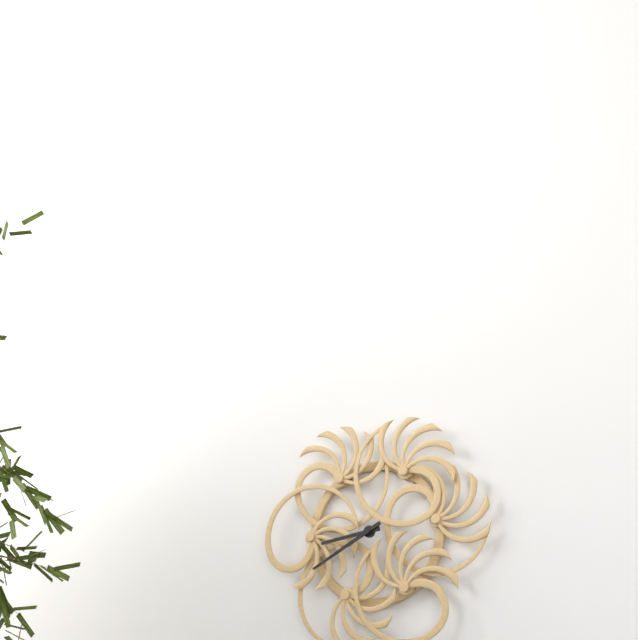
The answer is {"hour": 8, "minute": 40}
